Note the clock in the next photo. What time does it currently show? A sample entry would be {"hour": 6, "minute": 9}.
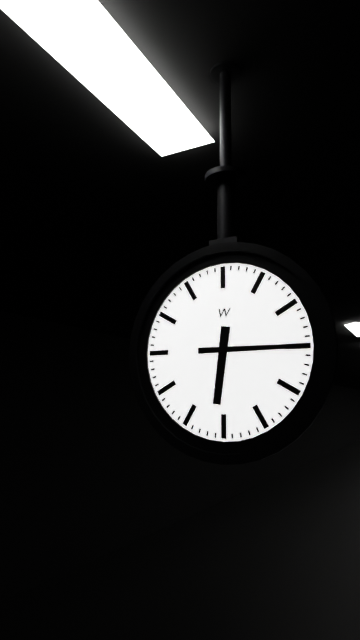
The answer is {"hour": 6, "minute": 15}
